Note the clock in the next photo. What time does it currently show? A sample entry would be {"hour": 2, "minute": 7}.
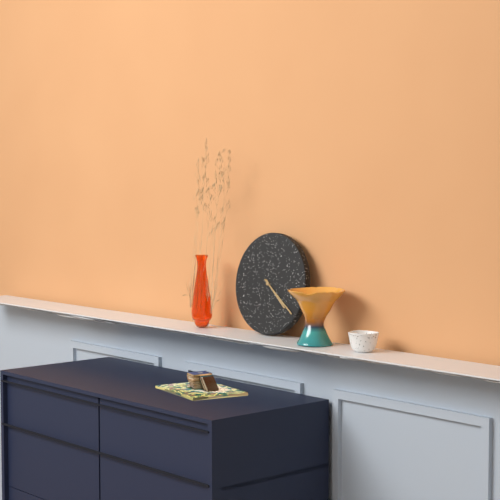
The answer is {"hour": 4, "minute": 21}
